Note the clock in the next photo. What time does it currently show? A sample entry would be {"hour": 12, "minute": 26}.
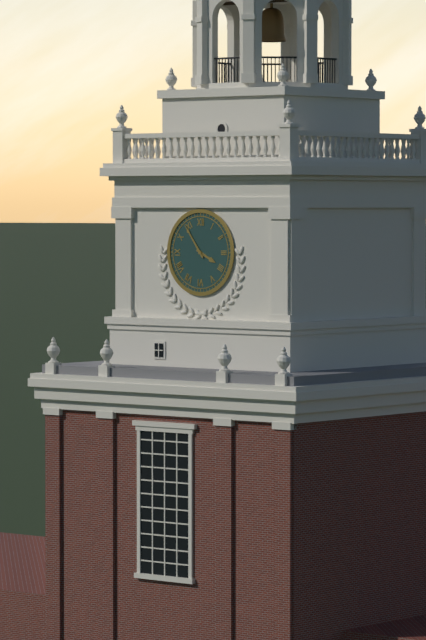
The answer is {"hour": 3, "minute": 54}
